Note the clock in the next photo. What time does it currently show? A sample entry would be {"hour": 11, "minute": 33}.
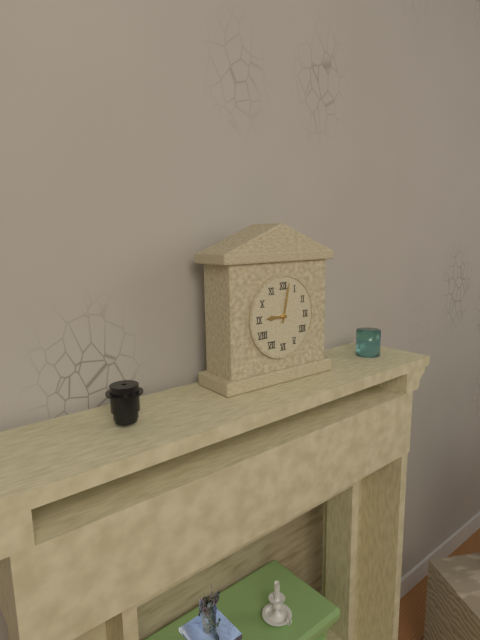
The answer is {"hour": 9, "minute": 2}
